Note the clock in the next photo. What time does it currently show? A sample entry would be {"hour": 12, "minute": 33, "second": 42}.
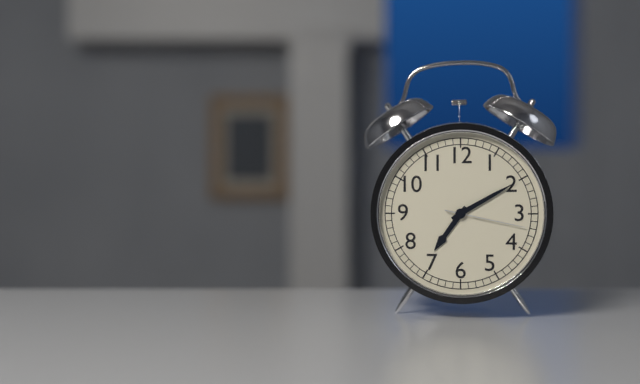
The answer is {"hour": 7, "minute": 10, "second": 17}
